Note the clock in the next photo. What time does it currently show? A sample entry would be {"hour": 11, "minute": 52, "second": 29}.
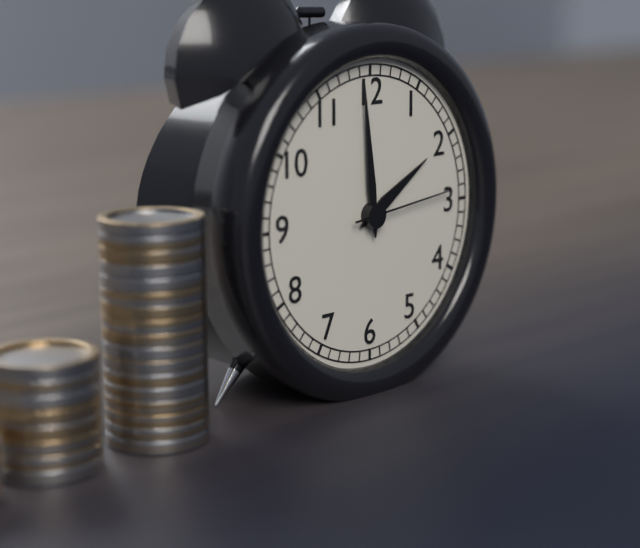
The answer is {"hour": 1, "minute": 59, "second": 14}
